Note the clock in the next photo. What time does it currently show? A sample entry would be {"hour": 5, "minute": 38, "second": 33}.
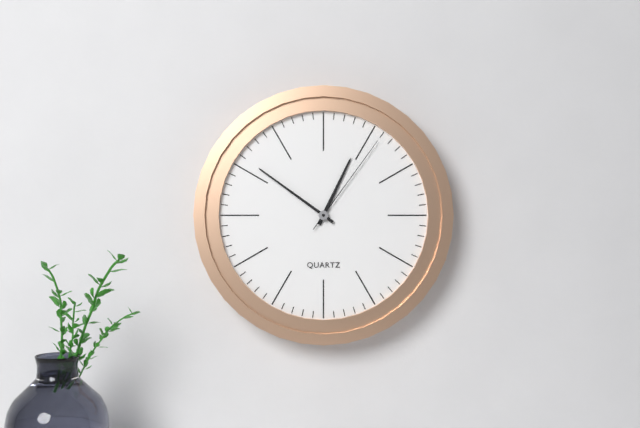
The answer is {"hour": 12, "minute": 51, "second": 6}
